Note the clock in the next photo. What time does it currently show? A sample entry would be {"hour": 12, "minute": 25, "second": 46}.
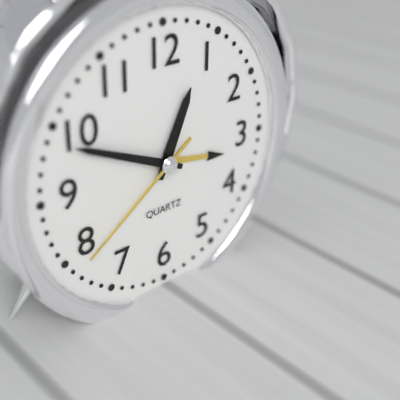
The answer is {"hour": 12, "minute": 49, "second": 39}
